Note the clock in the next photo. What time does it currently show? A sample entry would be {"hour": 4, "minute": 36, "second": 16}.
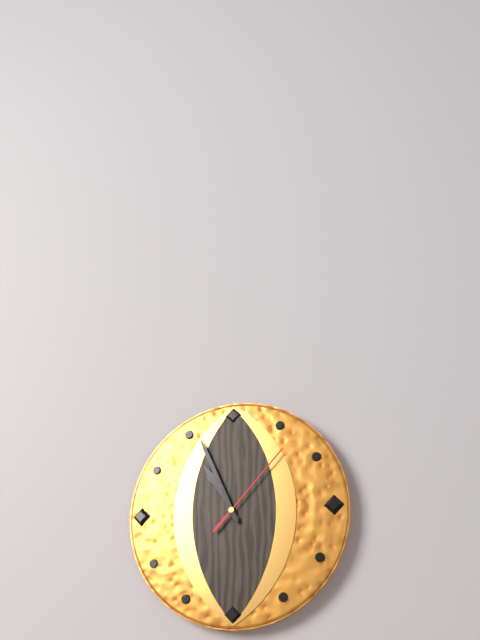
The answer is {"hour": 10, "minute": 56, "second": 7}
